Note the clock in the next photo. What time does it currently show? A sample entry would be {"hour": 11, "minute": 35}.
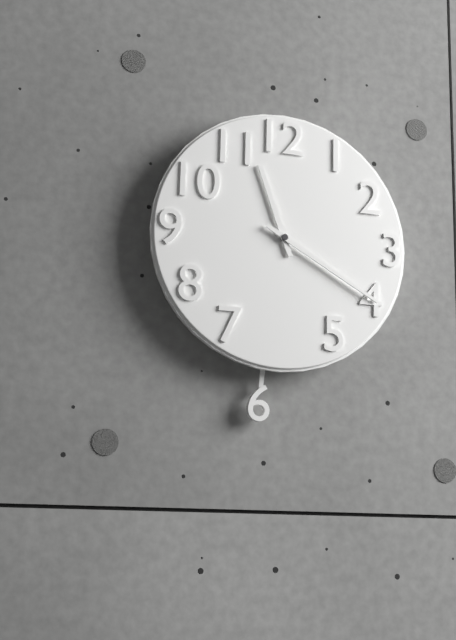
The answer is {"hour": 11, "minute": 20}
